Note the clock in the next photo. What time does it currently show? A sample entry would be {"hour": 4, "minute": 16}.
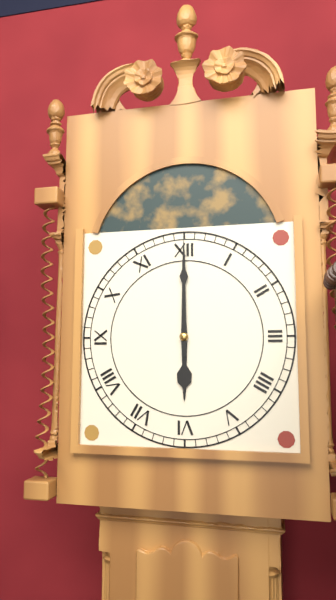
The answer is {"hour": 6, "minute": 0}
